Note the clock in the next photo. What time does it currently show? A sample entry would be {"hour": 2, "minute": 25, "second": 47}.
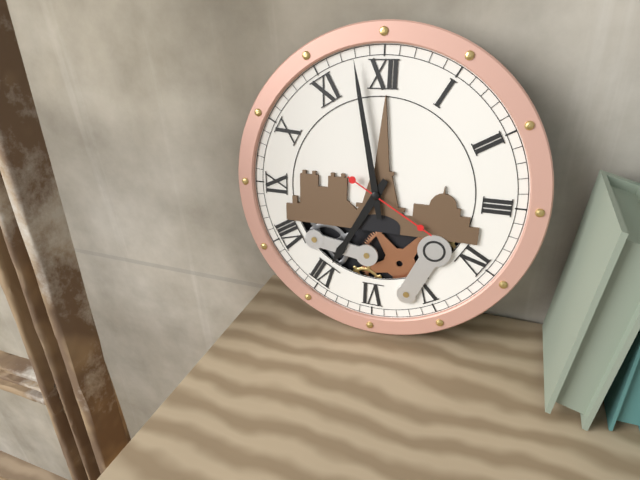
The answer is {"hour": 6, "minute": 58, "second": 20}
